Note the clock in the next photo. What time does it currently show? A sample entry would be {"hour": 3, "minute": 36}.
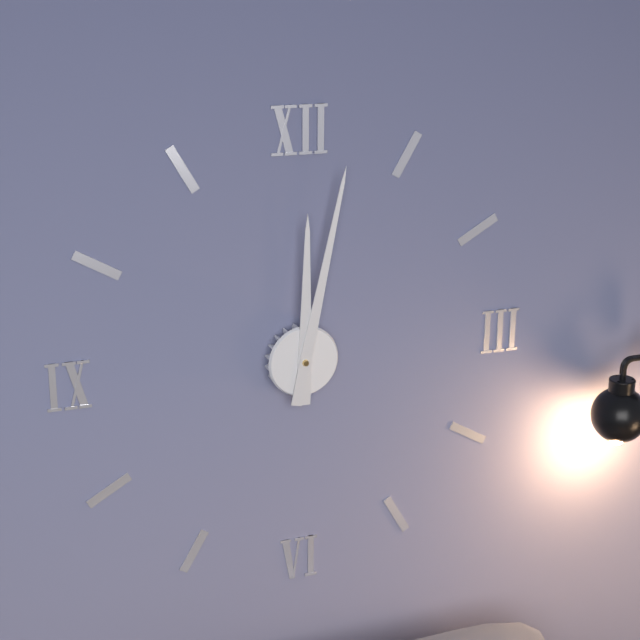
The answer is {"hour": 12, "minute": 2}
